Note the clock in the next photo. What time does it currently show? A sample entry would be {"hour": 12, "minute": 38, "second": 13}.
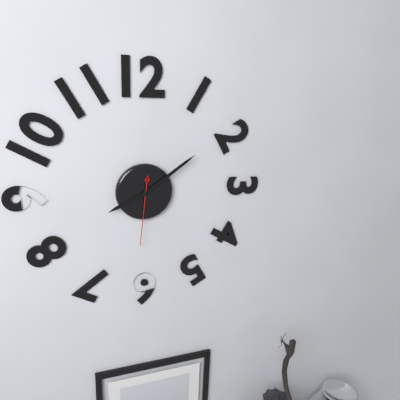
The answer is {"hour": 8, "minute": 9, "second": 31}
